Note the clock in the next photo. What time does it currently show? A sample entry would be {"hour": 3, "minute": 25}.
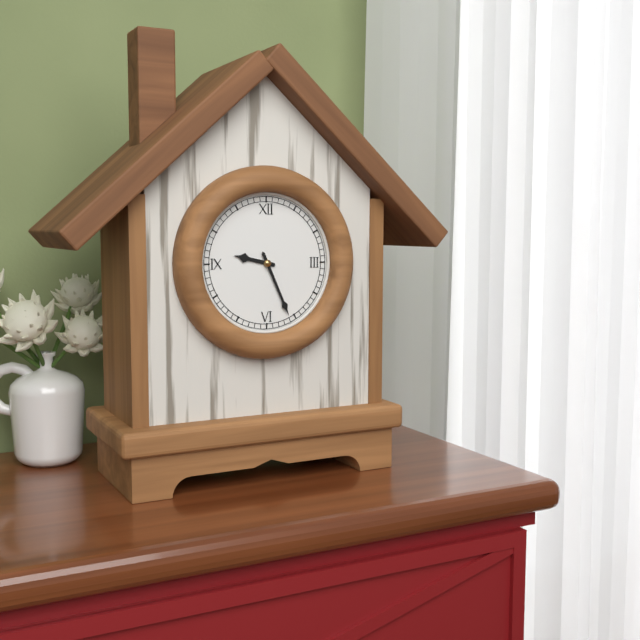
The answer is {"hour": 9, "minute": 26}
